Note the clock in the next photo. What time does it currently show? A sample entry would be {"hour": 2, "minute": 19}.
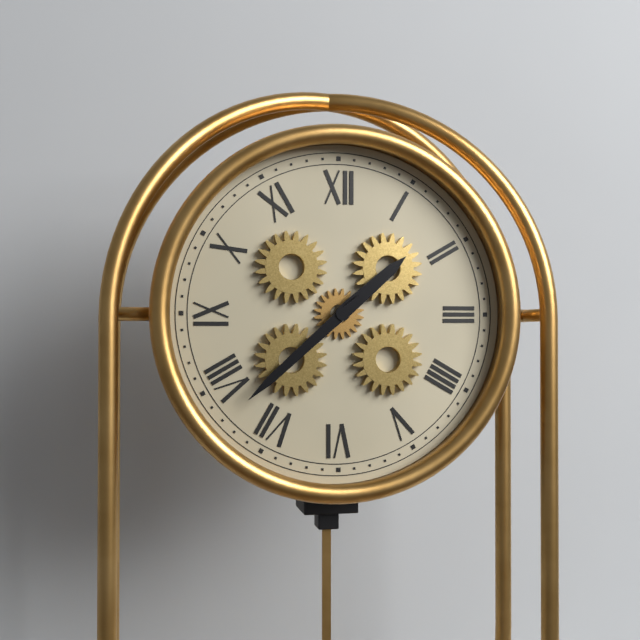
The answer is {"hour": 1, "minute": 38}
